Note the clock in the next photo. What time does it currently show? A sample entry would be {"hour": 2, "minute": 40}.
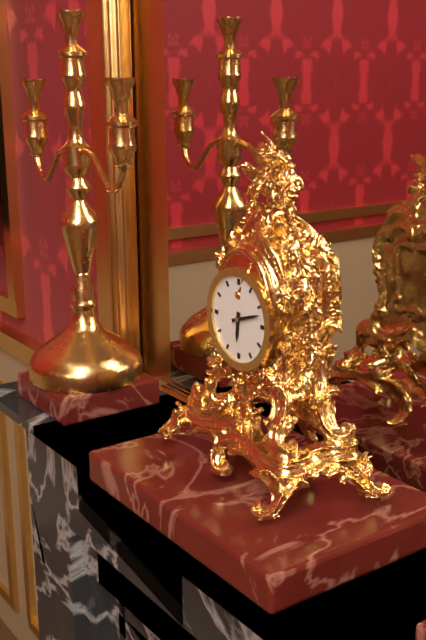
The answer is {"hour": 6, "minute": 12}
